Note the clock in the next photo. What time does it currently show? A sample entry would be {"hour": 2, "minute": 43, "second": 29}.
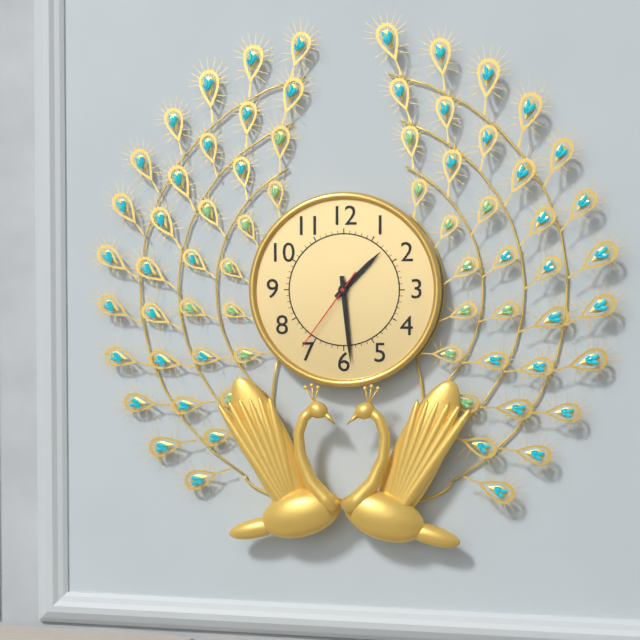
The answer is {"hour": 1, "minute": 29, "second": 36}
